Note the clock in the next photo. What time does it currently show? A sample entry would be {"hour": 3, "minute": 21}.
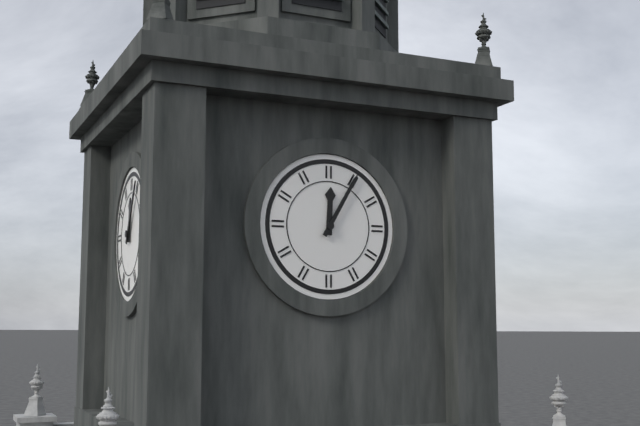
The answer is {"hour": 12, "minute": 5}
